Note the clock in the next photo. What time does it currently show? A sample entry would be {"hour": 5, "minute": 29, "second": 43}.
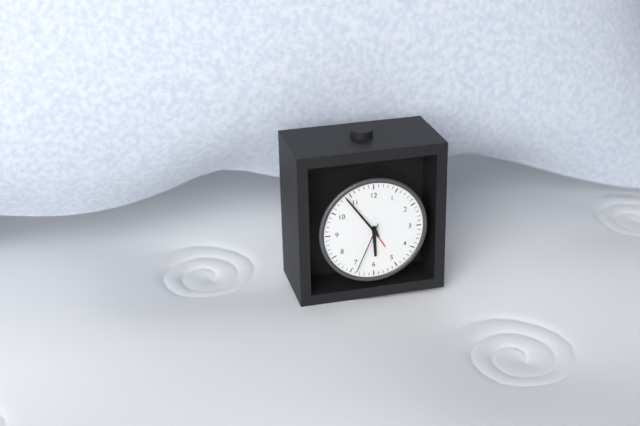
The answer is {"hour": 5, "minute": 54, "second": 34}
